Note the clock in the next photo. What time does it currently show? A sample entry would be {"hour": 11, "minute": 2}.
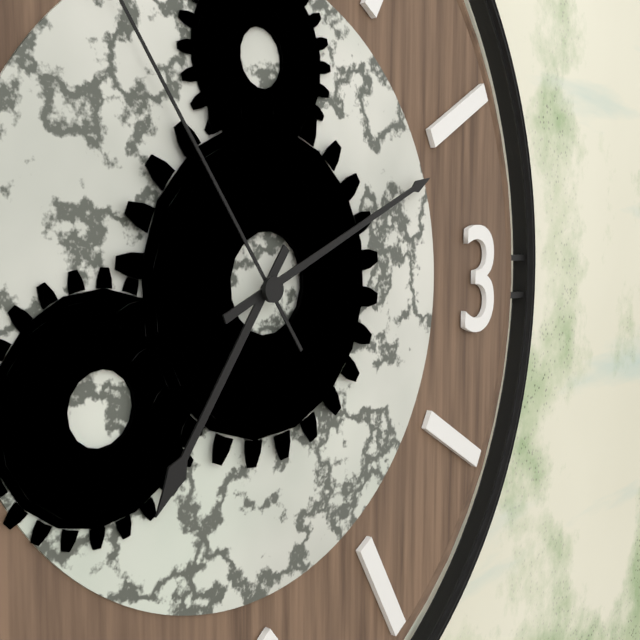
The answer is {"hour": 7, "minute": 11}
